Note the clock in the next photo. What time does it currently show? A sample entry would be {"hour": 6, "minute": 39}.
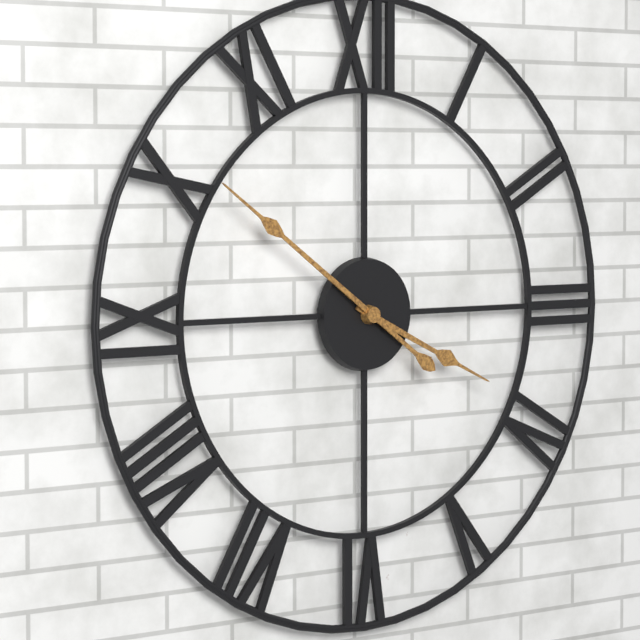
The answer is {"hour": 3, "minute": 51}
